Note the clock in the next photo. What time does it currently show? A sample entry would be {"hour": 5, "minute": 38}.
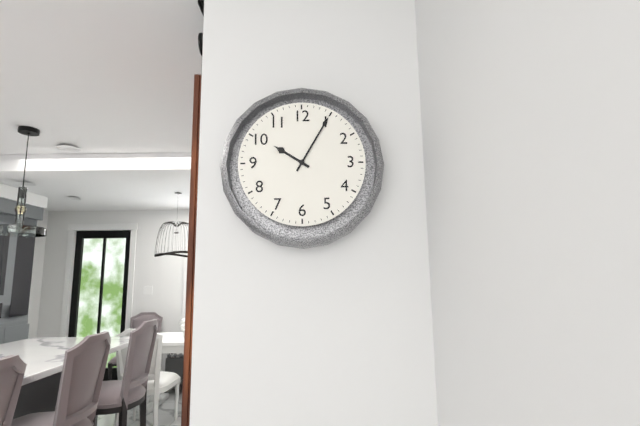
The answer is {"hour": 10, "minute": 5}
